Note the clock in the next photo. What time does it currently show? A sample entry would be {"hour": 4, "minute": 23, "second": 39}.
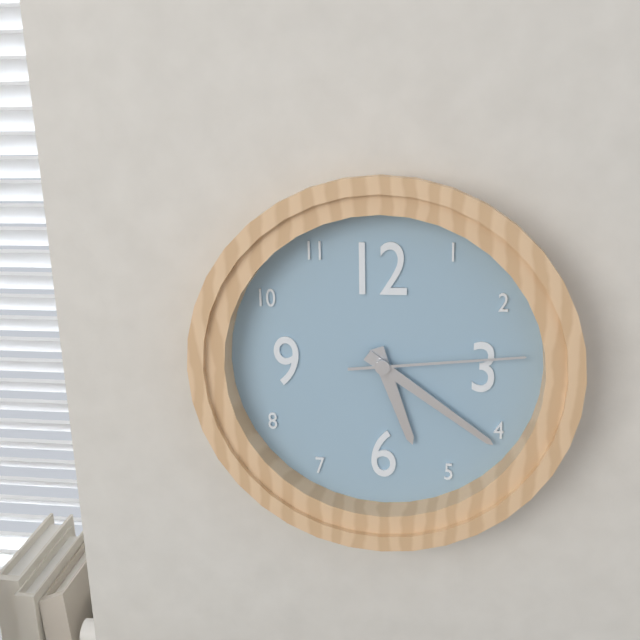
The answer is {"hour": 5, "minute": 21, "second": 14}
